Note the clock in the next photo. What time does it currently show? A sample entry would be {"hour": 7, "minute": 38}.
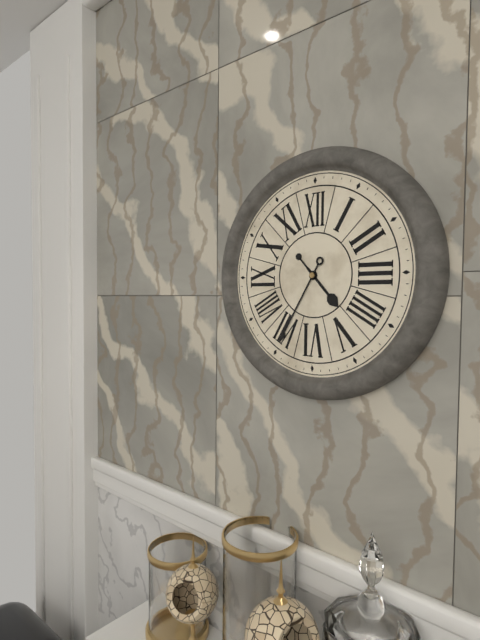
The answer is {"hour": 4, "minute": 35}
